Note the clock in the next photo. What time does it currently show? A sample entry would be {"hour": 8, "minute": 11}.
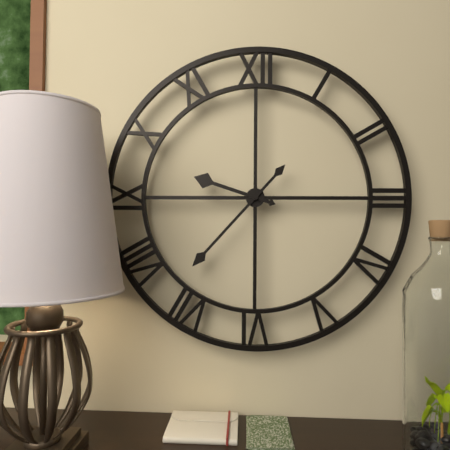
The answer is {"hour": 9, "minute": 37}
